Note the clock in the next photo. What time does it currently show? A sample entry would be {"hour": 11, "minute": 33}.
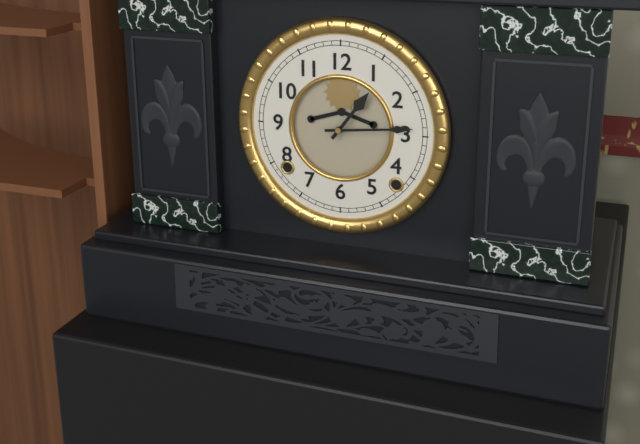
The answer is {"hour": 1, "minute": 14}
